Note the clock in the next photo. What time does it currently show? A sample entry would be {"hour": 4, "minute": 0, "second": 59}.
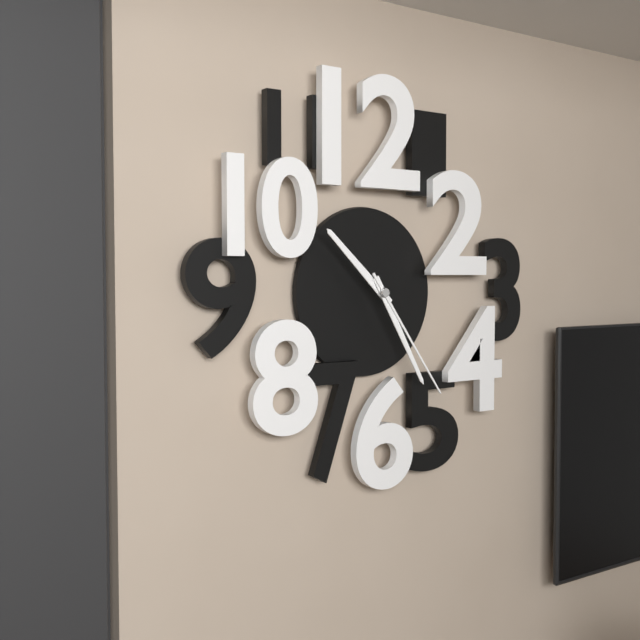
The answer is {"hour": 10, "minute": 25, "second": 24}
